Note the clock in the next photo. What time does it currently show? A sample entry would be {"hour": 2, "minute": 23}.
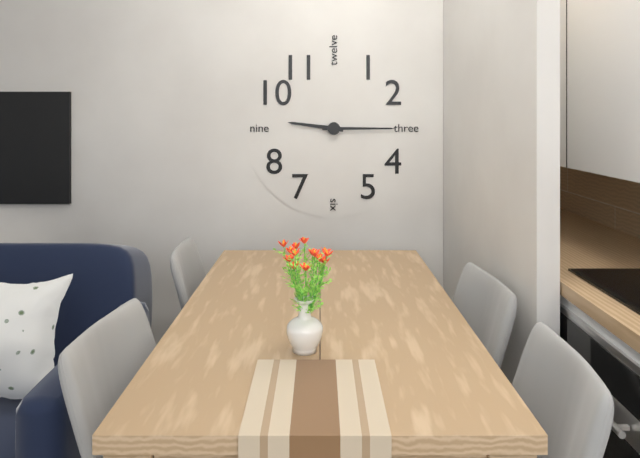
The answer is {"hour": 9, "minute": 15}
